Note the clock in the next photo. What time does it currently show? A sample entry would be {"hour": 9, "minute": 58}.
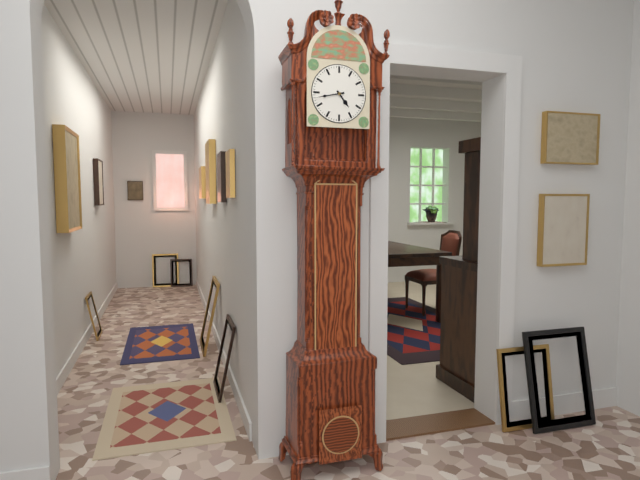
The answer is {"hour": 4, "minute": 43}
